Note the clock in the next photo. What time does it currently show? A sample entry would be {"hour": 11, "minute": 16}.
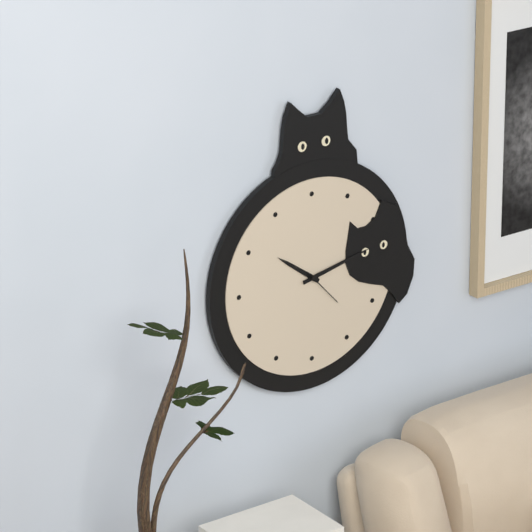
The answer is {"hour": 10, "minute": 13}
